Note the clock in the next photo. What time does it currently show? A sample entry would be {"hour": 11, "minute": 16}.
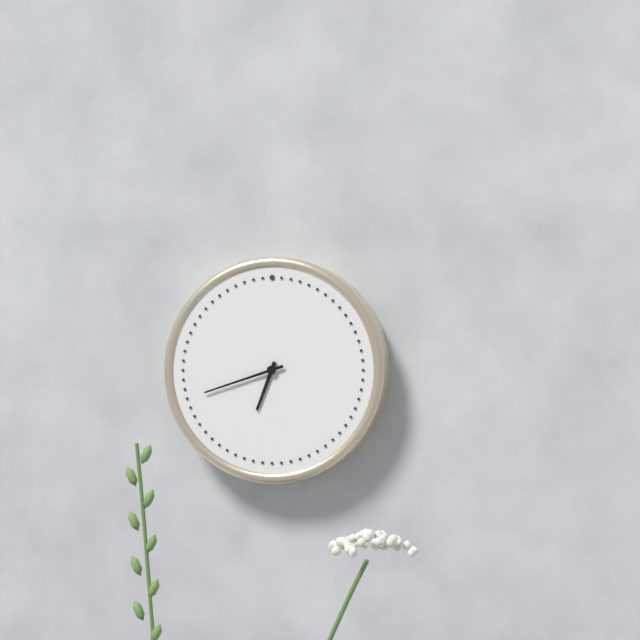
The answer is {"hour": 6, "minute": 42}
